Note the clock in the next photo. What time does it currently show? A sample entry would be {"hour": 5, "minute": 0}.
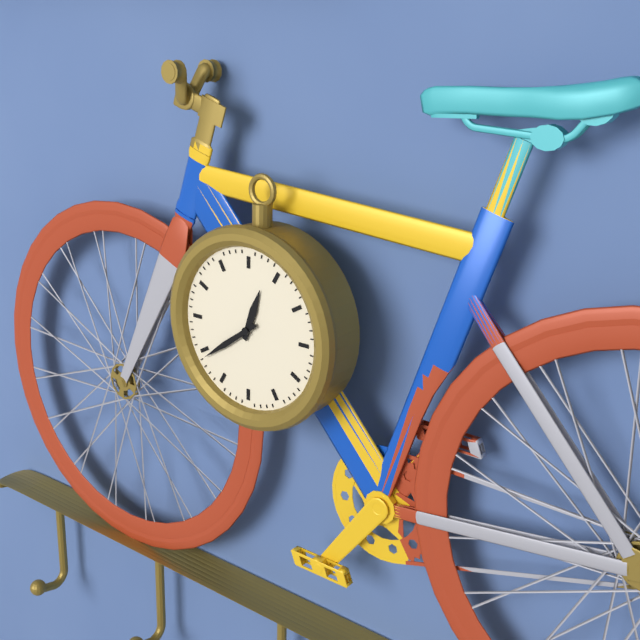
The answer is {"hour": 12, "minute": 39}
